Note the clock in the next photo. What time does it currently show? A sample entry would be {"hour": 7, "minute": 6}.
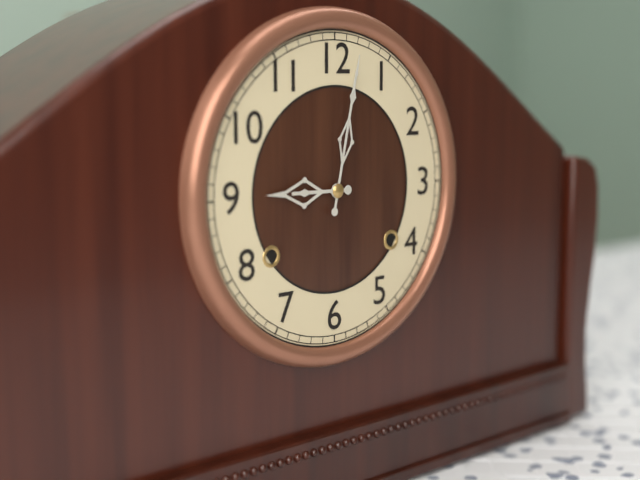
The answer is {"hour": 9, "minute": 2}
